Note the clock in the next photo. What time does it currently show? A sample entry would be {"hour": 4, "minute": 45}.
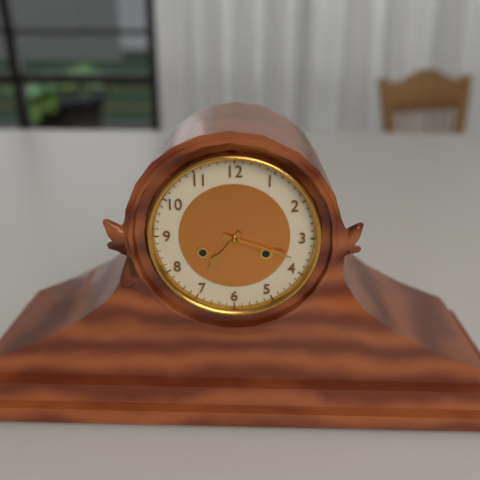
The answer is {"hour": 7, "minute": 18}
